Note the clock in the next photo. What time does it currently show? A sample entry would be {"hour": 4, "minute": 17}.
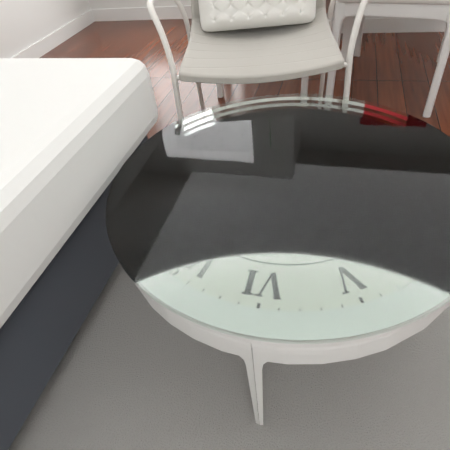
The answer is {"hour": 7, "minute": 12}
